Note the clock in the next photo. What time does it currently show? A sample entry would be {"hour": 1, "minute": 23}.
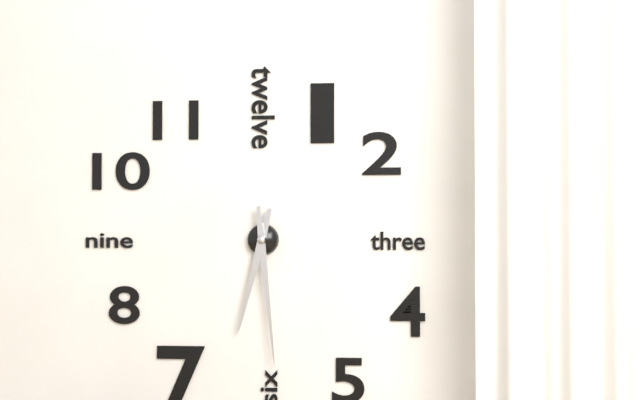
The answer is {"hour": 6, "minute": 29}
